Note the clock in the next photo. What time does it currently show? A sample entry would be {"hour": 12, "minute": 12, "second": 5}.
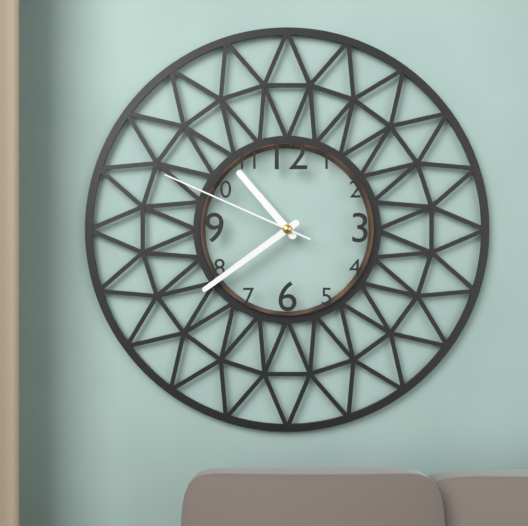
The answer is {"hour": 10, "minute": 39, "second": 49}
